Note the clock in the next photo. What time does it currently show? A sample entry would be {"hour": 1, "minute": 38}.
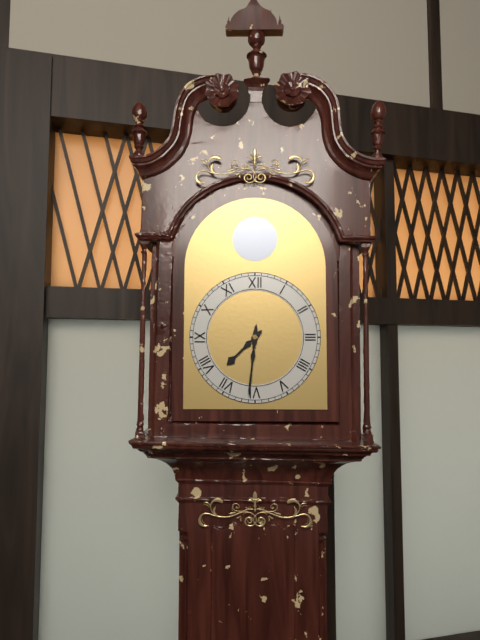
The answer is {"hour": 7, "minute": 31}
